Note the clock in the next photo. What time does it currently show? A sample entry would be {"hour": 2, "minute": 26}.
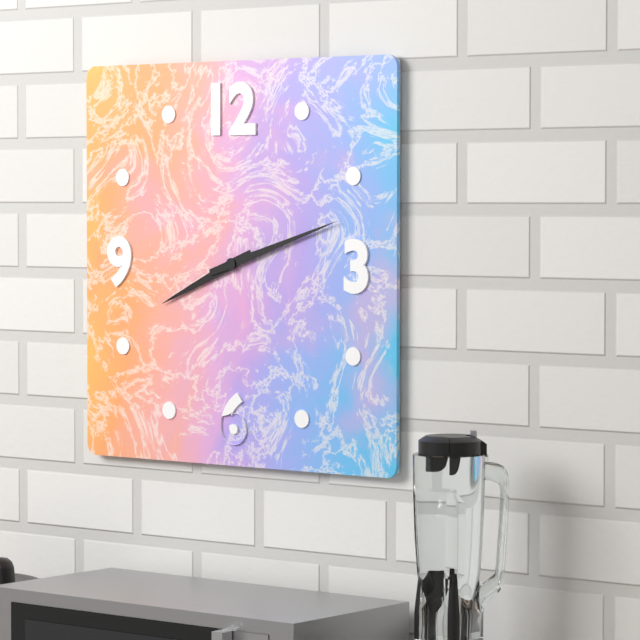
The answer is {"hour": 8, "minute": 12}
